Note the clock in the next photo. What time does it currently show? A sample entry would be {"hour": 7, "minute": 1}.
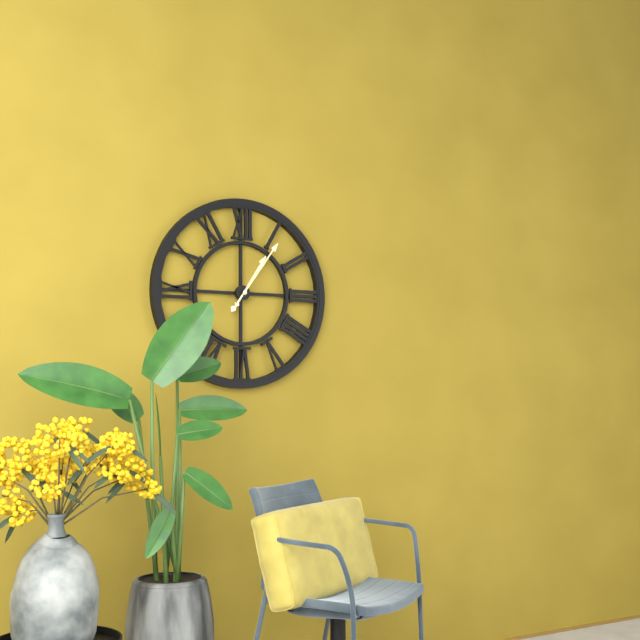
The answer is {"hour": 1, "minute": 6}
